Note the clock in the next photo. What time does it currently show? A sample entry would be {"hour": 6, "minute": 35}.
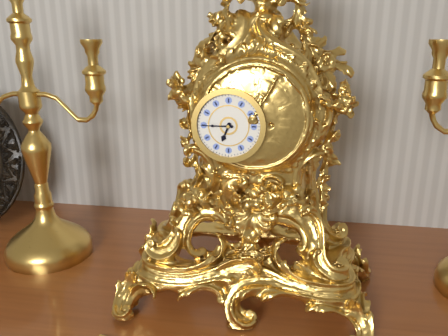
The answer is {"hour": 6, "minute": 45}
